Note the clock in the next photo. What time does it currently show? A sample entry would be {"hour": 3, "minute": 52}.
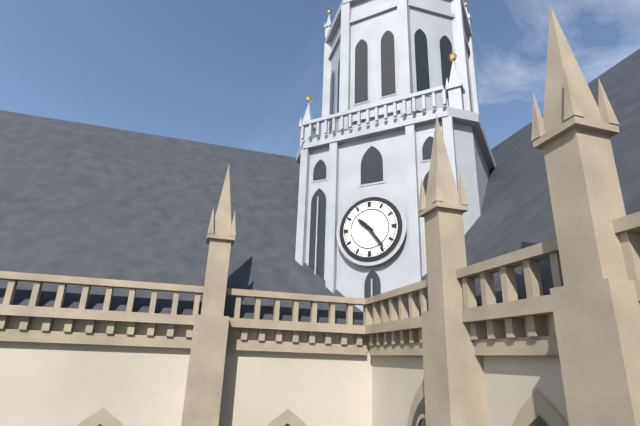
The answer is {"hour": 10, "minute": 24}
